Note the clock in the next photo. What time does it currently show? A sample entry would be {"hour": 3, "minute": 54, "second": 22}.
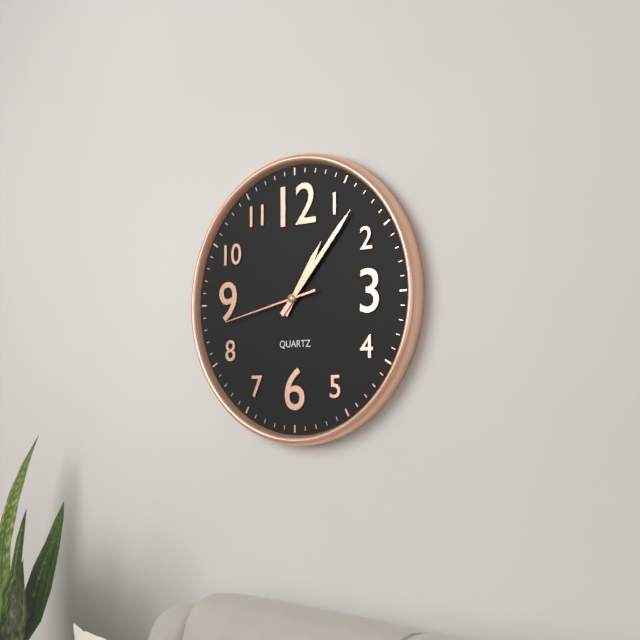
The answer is {"hour": 1, "minute": 7, "second": 43}
